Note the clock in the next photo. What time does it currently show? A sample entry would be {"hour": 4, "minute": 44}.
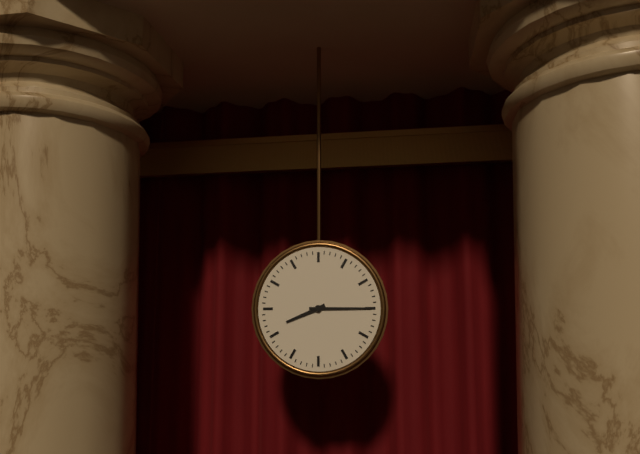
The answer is {"hour": 8, "minute": 15}
